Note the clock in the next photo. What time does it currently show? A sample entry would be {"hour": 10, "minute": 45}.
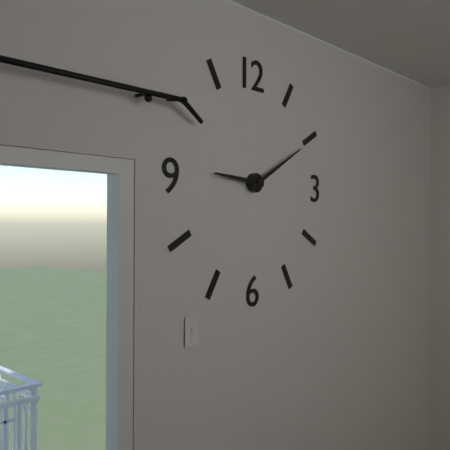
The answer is {"hour": 9, "minute": 10}
